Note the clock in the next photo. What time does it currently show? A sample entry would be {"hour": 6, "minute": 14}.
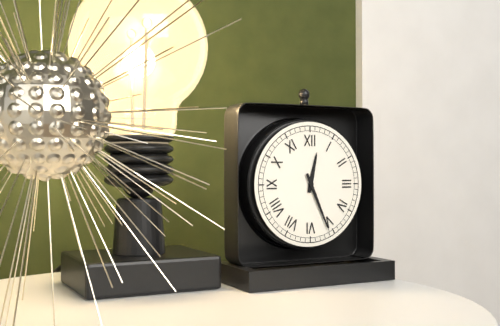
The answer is {"hour": 12, "minute": 26}
